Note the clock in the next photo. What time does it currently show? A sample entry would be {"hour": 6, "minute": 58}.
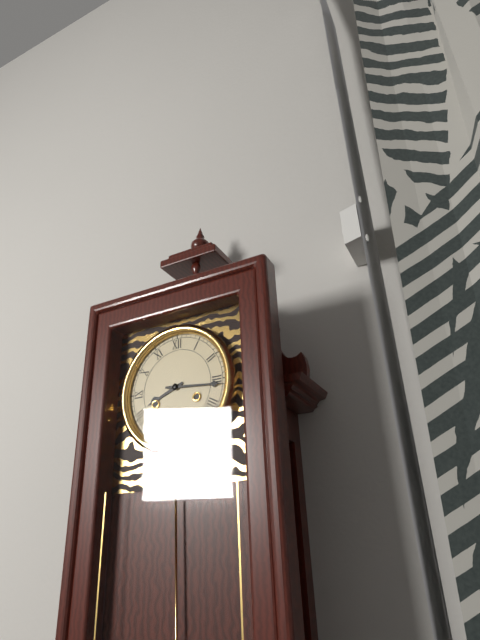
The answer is {"hour": 8, "minute": 16}
